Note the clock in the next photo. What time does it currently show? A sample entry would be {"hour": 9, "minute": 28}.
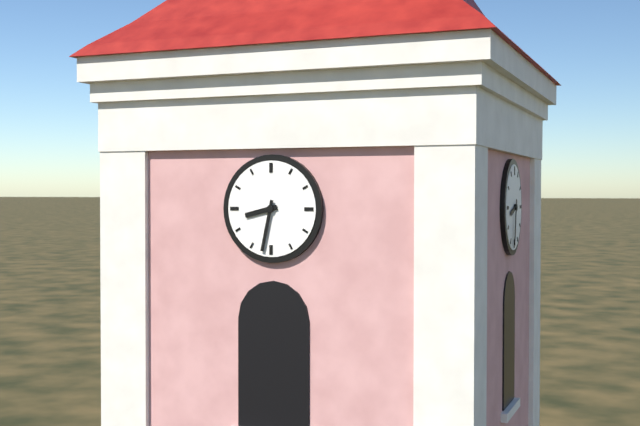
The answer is {"hour": 8, "minute": 32}
